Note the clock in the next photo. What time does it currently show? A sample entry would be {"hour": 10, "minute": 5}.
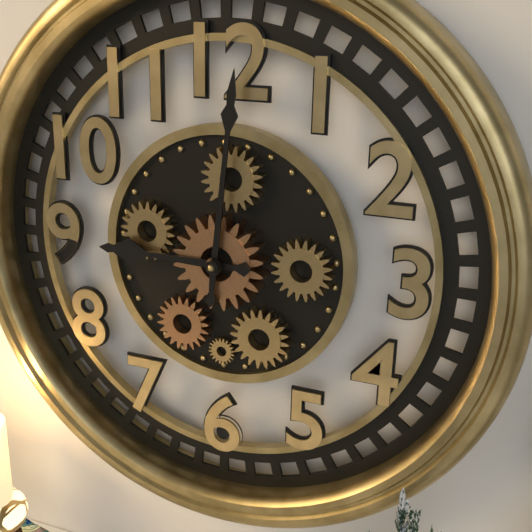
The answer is {"hour": 9, "minute": 1}
